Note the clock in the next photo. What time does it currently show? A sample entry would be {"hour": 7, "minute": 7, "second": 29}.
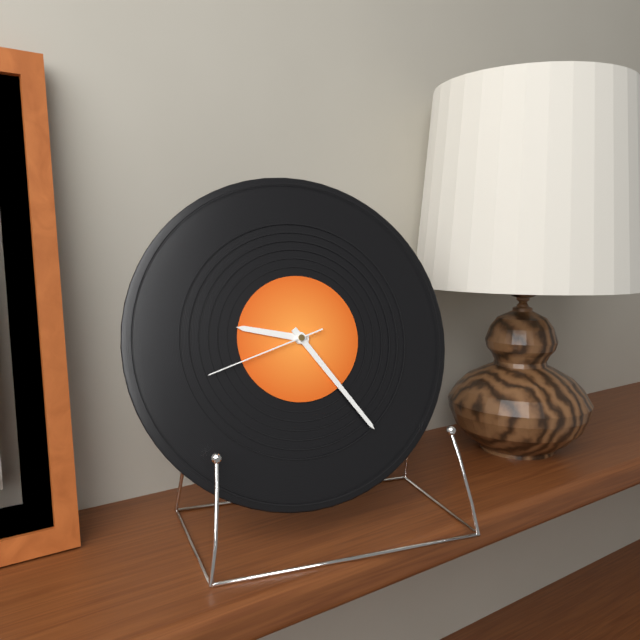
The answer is {"hour": 9, "minute": 24, "second": 42}
